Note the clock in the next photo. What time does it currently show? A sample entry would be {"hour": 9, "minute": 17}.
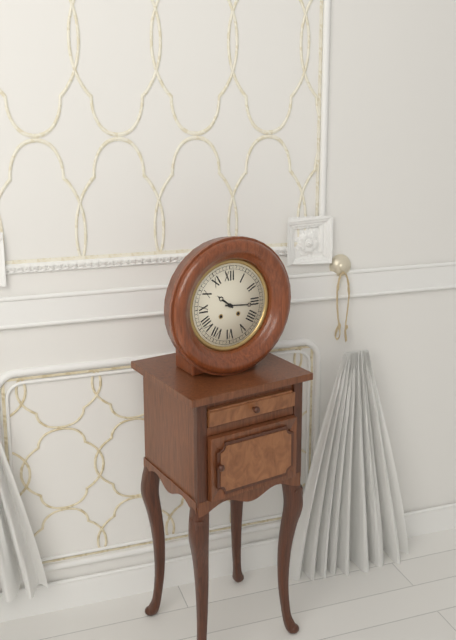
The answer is {"hour": 10, "minute": 16}
